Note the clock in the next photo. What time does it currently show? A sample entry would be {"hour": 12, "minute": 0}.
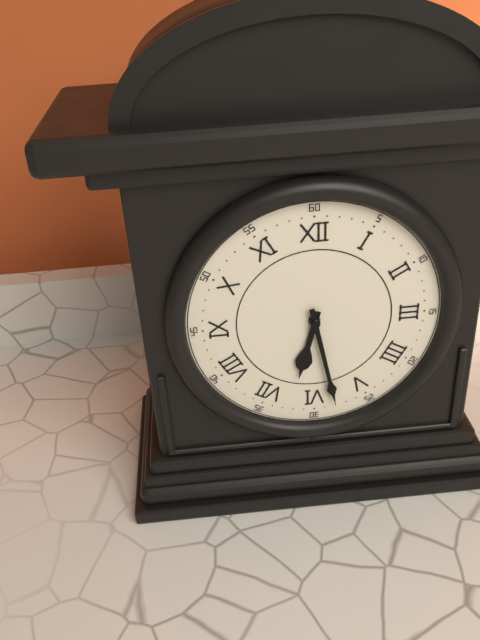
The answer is {"hour": 6, "minute": 28}
